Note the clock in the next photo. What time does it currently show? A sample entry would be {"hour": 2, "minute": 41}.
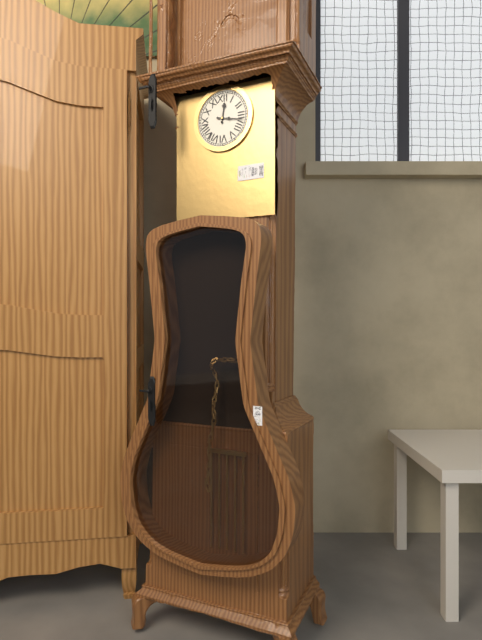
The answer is {"hour": 12, "minute": 17}
